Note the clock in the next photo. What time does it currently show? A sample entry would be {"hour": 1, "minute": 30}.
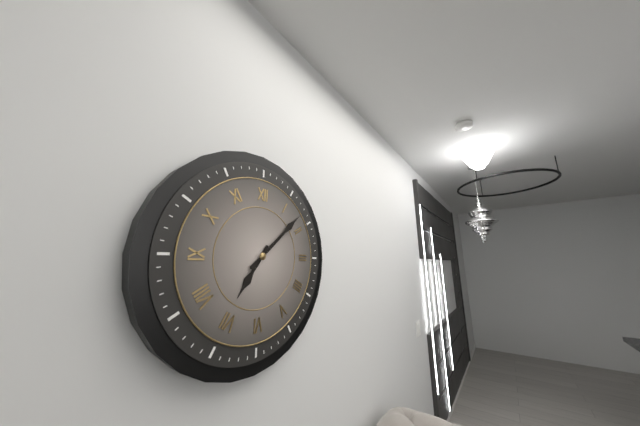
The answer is {"hour": 7, "minute": 8}
